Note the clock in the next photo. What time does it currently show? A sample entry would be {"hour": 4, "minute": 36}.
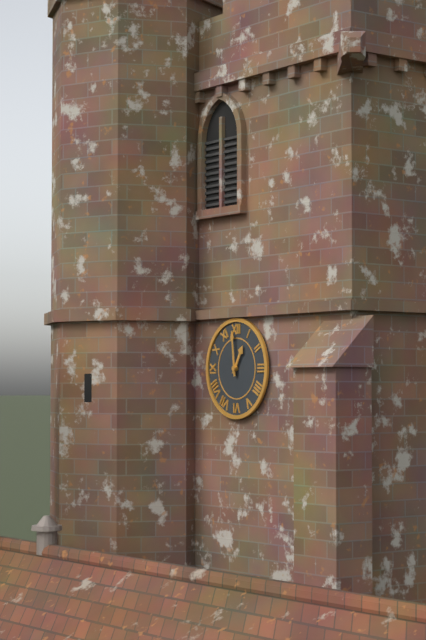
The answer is {"hour": 12, "minute": 59}
